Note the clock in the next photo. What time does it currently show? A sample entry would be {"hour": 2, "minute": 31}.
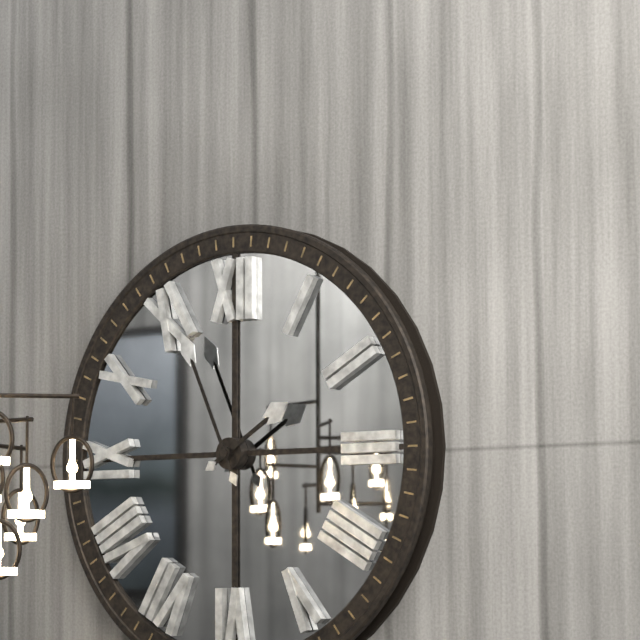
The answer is {"hour": 1, "minute": 56}
